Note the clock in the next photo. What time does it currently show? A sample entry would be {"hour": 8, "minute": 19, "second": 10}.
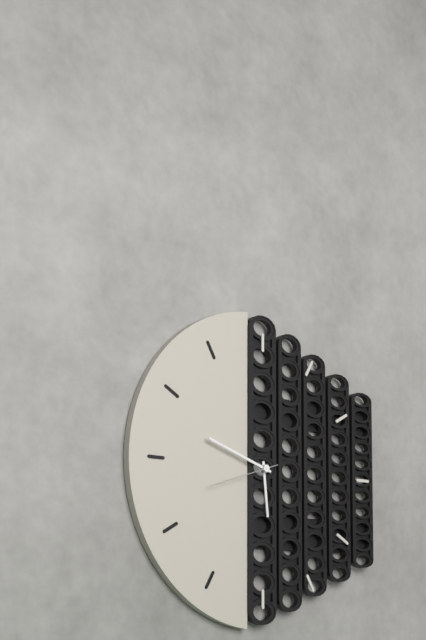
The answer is {"hour": 5, "minute": 48, "second": 42}
